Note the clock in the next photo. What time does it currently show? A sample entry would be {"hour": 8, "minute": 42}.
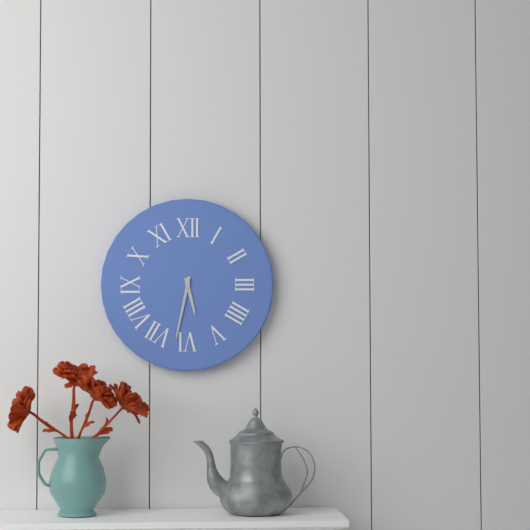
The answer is {"hour": 5, "minute": 32}
